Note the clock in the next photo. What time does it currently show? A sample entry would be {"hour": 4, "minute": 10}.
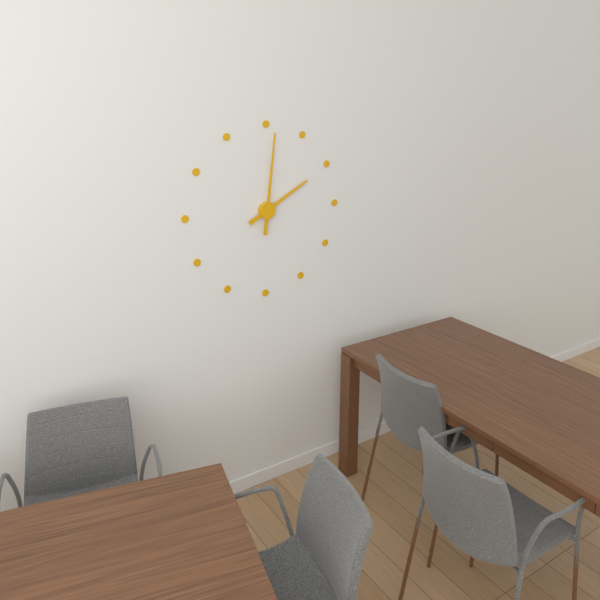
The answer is {"hour": 2, "minute": 1}
